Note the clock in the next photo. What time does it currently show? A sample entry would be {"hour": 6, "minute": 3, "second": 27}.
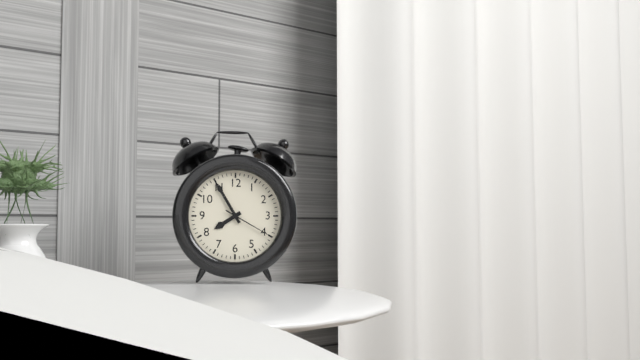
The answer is {"hour": 7, "minute": 55, "second": 20}
